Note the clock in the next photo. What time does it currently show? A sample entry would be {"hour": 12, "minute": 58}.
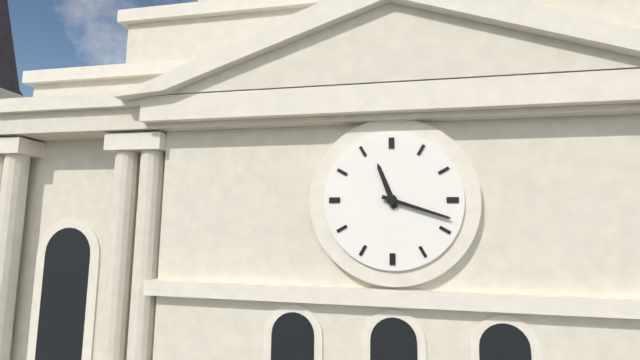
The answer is {"hour": 11, "minute": 18}
